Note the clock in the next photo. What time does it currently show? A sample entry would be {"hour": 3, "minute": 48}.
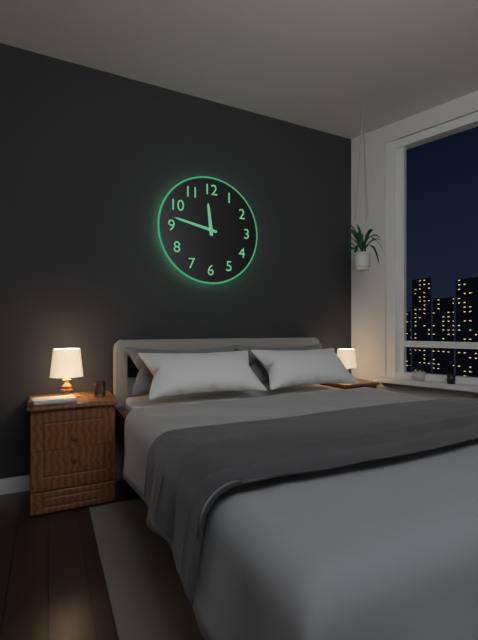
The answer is {"hour": 11, "minute": 47}
